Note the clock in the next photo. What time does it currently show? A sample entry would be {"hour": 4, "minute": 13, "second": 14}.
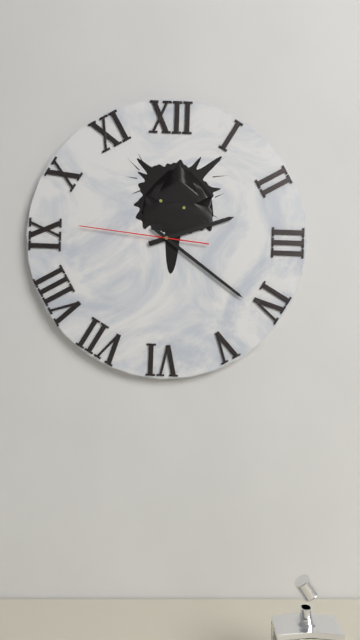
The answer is {"hour": 2, "minute": 21, "second": 46}
